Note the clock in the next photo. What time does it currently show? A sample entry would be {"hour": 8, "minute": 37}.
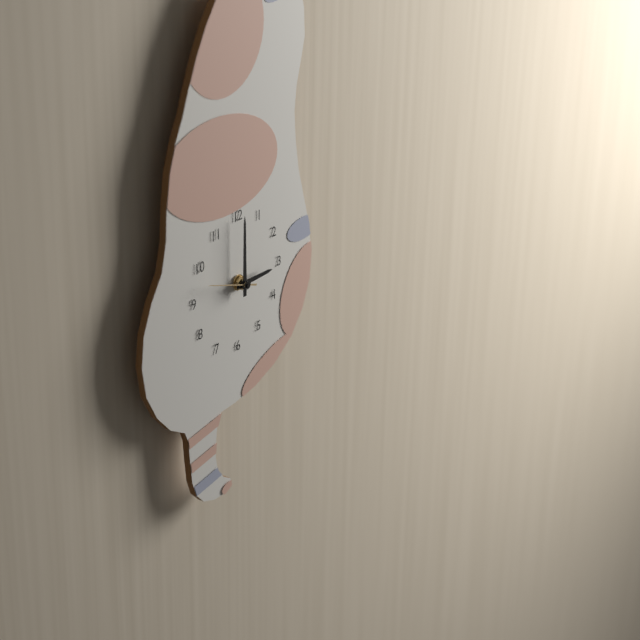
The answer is {"hour": 3, "minute": 0}
